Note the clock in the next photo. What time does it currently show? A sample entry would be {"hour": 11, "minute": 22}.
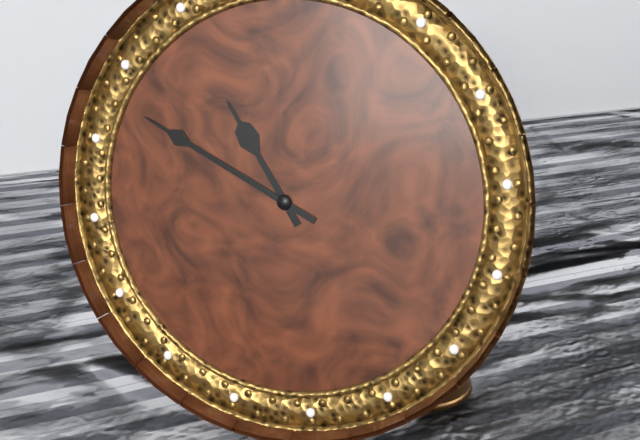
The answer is {"hour": 10, "minute": 49}
